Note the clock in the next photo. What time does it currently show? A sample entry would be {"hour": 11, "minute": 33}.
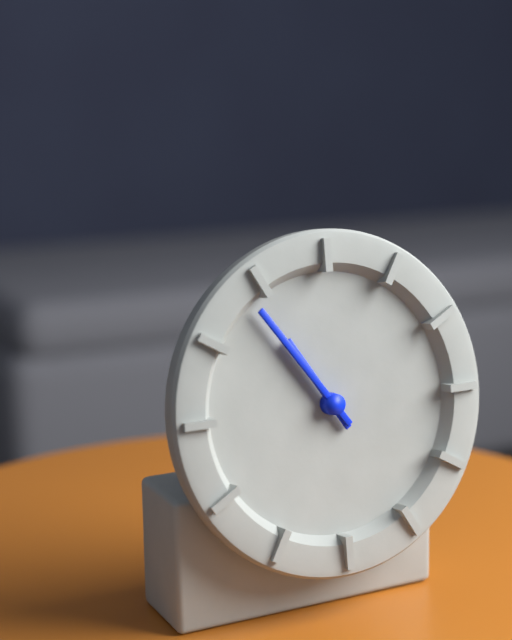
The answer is {"hour": 10, "minute": 54}
